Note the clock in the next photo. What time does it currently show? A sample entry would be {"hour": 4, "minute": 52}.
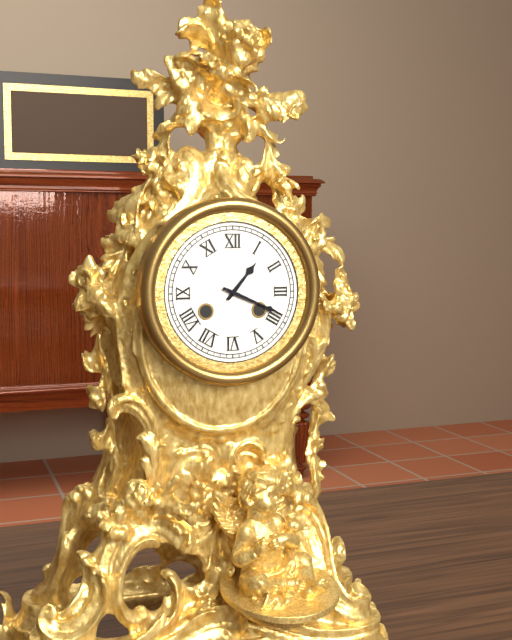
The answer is {"hour": 1, "minute": 19}
